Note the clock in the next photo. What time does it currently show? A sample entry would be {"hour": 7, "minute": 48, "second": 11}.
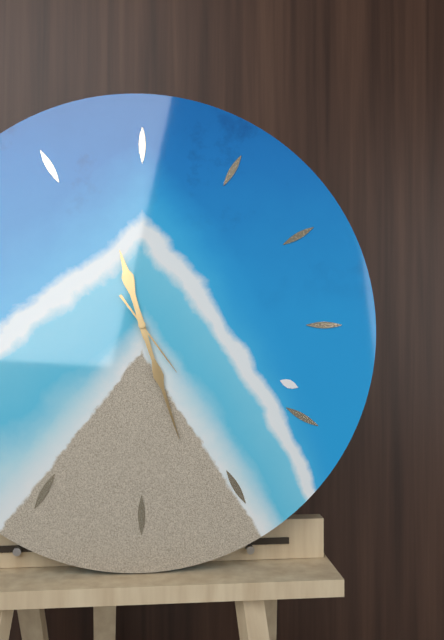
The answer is {"hour": 11, "minute": 27, "second": 24}
